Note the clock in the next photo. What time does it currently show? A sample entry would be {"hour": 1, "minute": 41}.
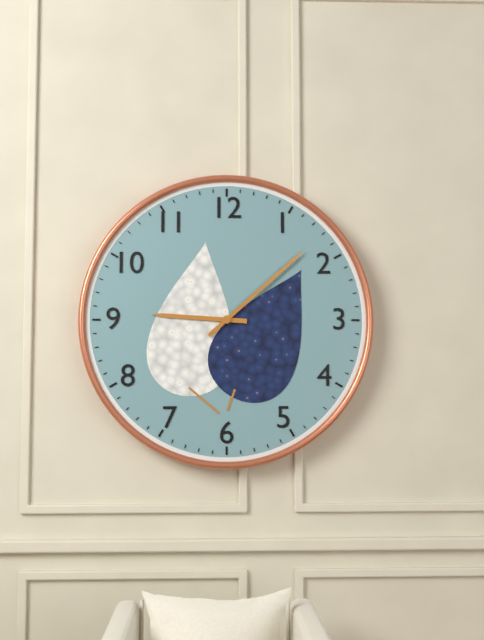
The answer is {"hour": 9, "minute": 8}
